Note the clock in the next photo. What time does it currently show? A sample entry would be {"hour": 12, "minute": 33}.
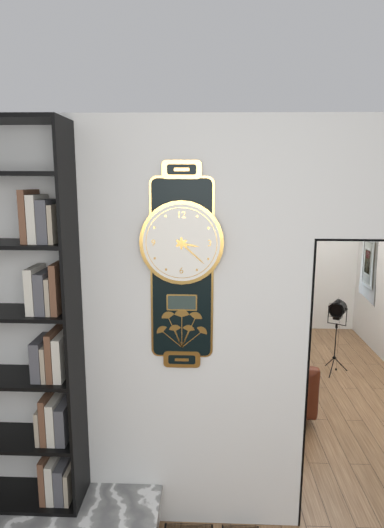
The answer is {"hour": 3, "minute": 22}
